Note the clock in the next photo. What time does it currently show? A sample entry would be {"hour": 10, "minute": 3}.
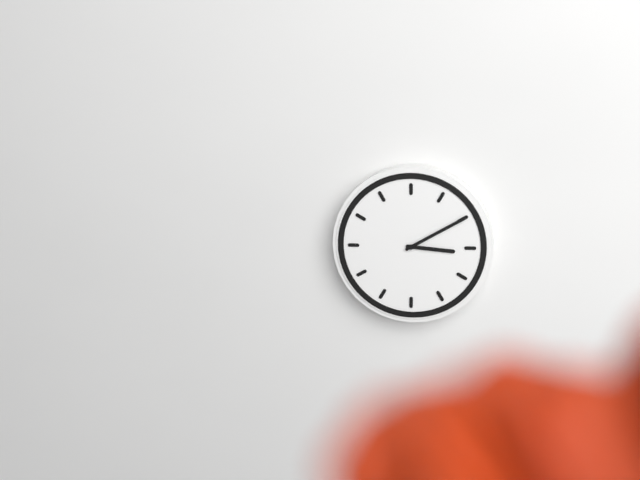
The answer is {"hour": 3, "minute": 10}
